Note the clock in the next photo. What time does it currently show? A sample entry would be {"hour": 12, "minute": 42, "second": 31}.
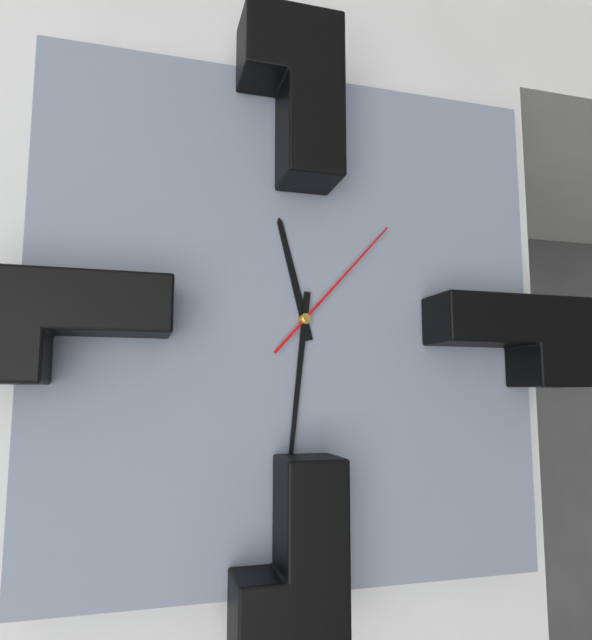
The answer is {"hour": 11, "minute": 31, "second": 7}
